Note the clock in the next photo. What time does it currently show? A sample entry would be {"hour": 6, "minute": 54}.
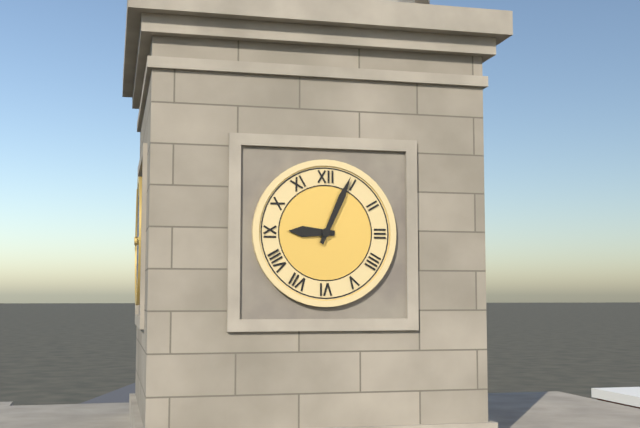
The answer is {"hour": 9, "minute": 4}
